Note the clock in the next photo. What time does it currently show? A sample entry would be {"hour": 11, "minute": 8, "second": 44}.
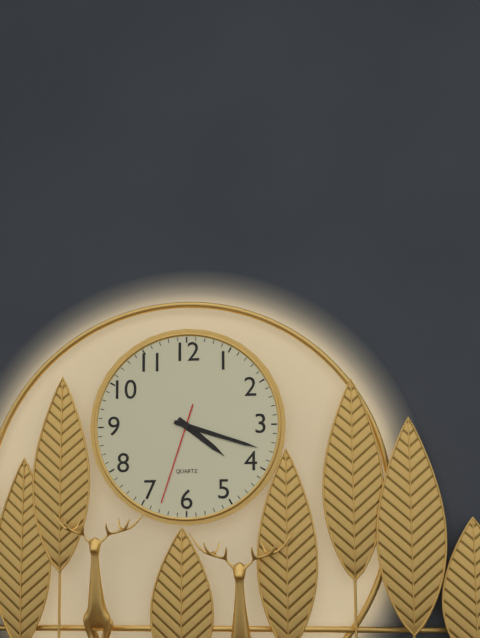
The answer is {"hour": 4, "minute": 18, "second": 33}
